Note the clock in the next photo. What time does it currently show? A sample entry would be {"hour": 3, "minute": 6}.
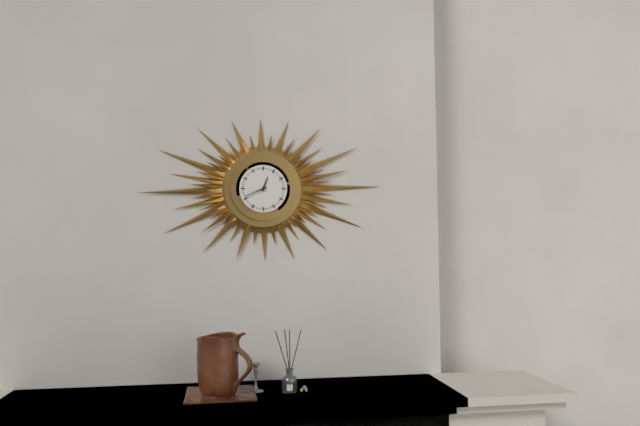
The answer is {"hour": 12, "minute": 41}
